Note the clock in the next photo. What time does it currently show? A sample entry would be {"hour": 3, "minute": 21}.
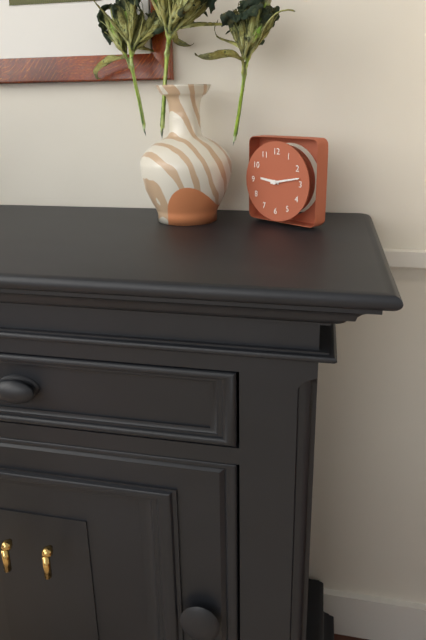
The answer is {"hour": 9, "minute": 13}
